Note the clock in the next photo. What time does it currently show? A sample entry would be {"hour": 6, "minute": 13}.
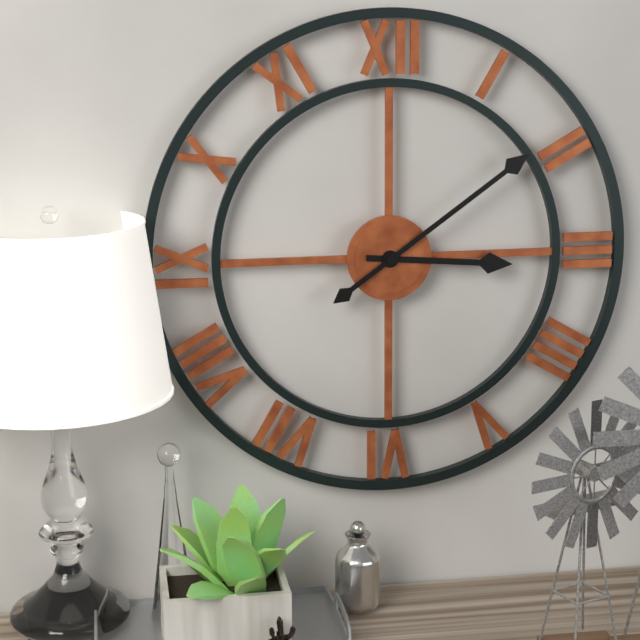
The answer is {"hour": 3, "minute": 9}
